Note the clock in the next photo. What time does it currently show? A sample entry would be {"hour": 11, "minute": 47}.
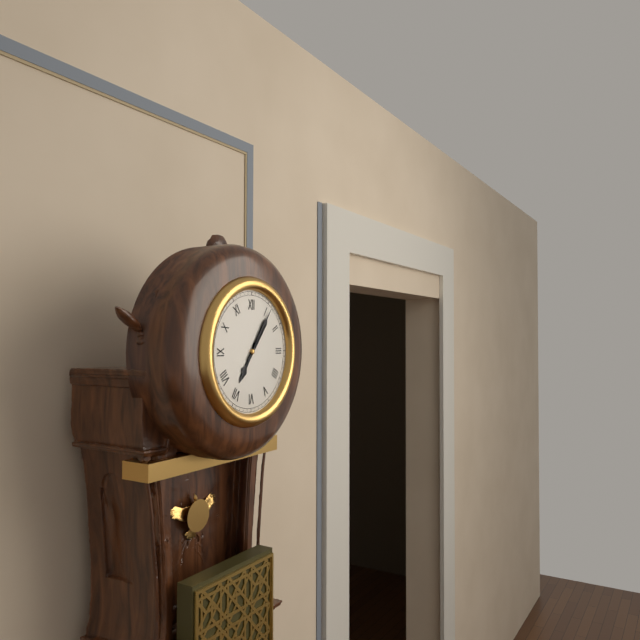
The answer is {"hour": 7, "minute": 6}
